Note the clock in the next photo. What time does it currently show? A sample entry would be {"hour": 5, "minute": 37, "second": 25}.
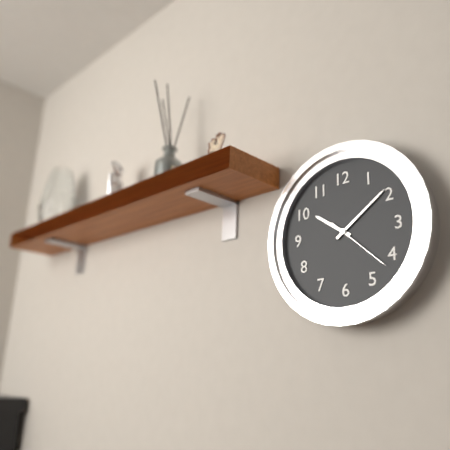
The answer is {"hour": 10, "minute": 9, "second": 22}
